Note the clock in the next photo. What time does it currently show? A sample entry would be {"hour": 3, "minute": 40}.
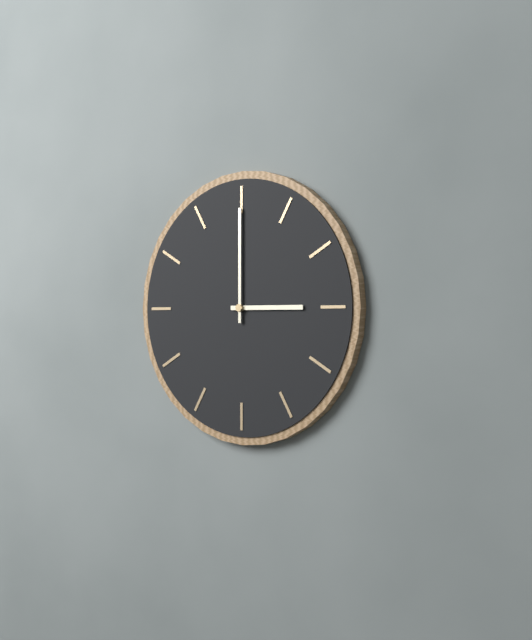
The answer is {"hour": 3, "minute": 0}
